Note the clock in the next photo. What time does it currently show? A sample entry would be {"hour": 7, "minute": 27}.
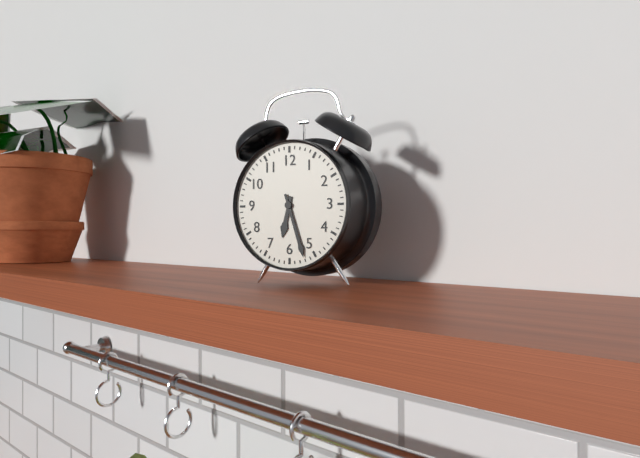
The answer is {"hour": 6, "minute": 27}
